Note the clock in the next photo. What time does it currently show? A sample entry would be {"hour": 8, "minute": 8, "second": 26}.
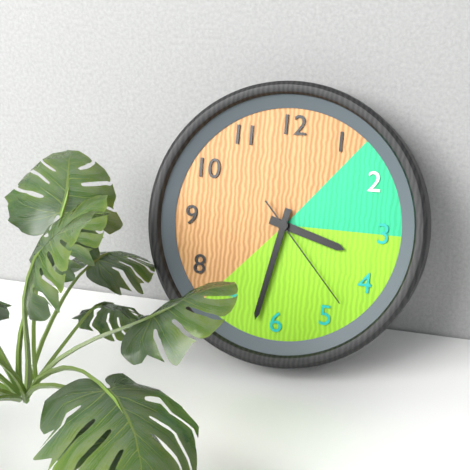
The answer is {"hour": 3, "minute": 32, "second": 23}
